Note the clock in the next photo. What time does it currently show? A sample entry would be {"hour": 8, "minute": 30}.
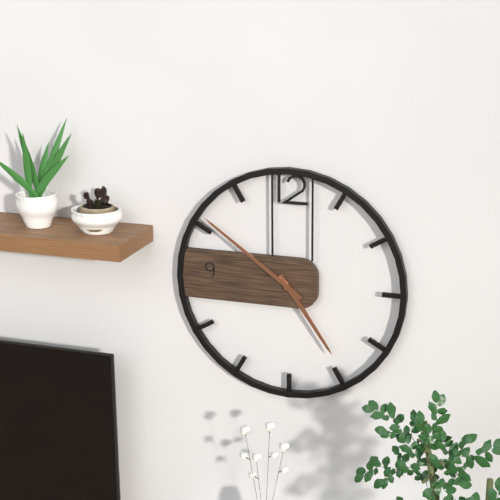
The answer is {"hour": 4, "minute": 51}
